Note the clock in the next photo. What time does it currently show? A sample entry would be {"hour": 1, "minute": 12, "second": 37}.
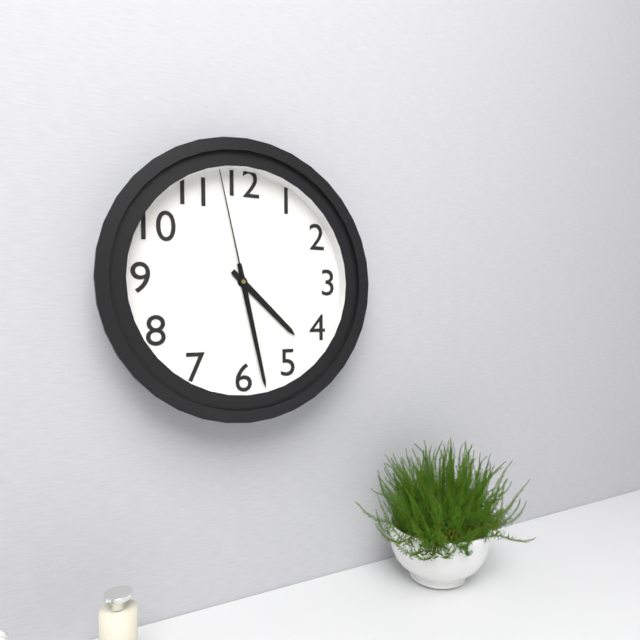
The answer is {"hour": 4, "minute": 28, "second": 58}
